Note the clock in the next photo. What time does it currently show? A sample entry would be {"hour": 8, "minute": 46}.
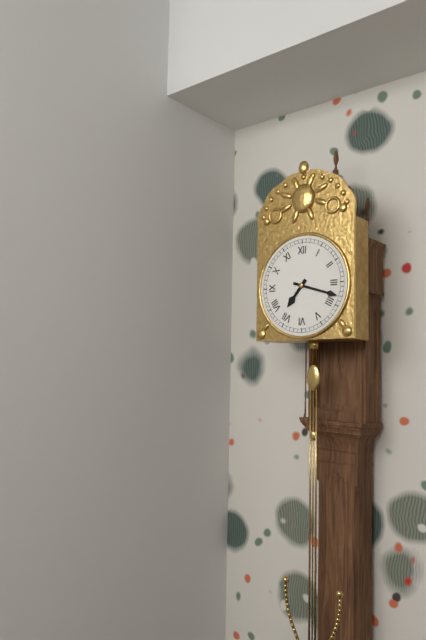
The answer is {"hour": 7, "minute": 18}
